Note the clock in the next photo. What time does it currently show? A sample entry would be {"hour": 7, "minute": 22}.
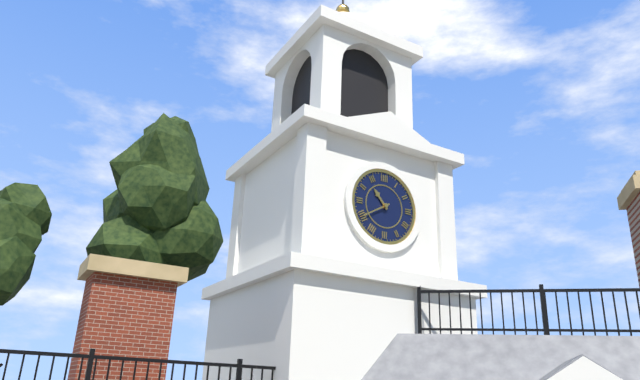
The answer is {"hour": 10, "minute": 40}
